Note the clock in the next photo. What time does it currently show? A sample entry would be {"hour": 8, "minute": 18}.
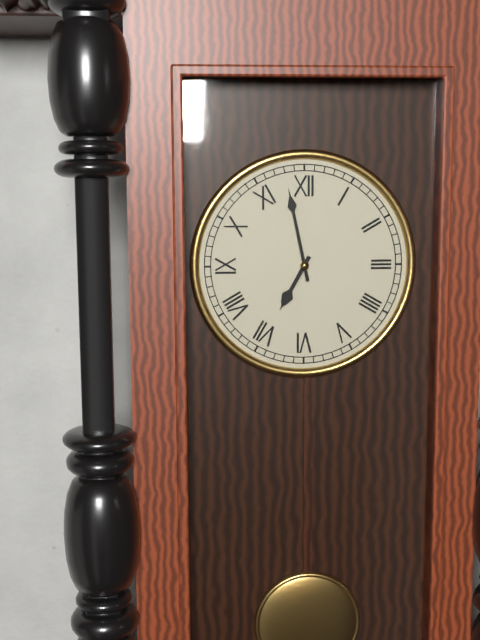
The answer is {"hour": 6, "minute": 58}
